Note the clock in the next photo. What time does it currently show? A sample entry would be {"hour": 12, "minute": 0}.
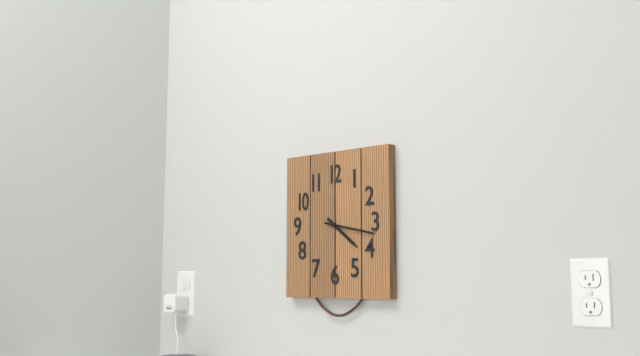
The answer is {"hour": 4, "minute": 17}
